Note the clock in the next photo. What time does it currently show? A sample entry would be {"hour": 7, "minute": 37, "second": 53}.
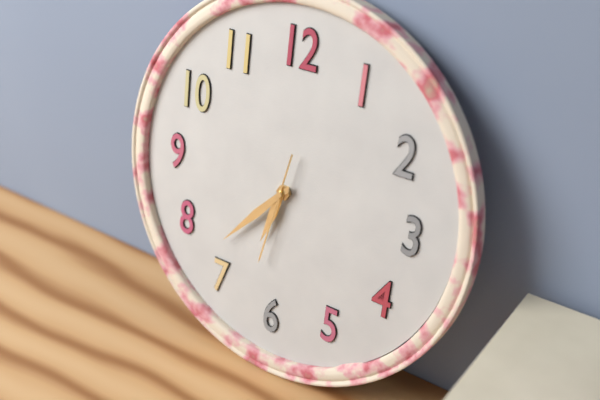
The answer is {"hour": 6, "minute": 37, "second": 32}
